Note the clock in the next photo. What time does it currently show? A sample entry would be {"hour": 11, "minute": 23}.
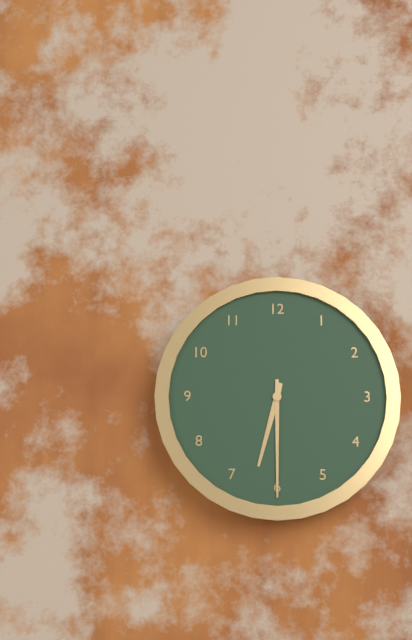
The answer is {"hour": 6, "minute": 30}
